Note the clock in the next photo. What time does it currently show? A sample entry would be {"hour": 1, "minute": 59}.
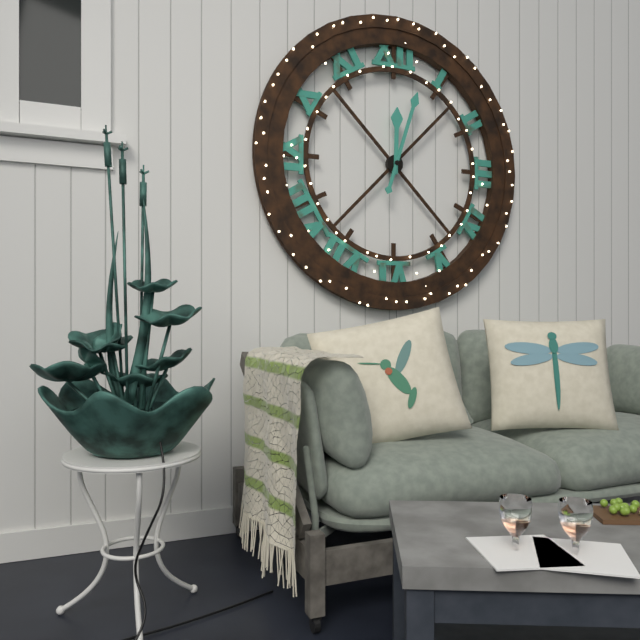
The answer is {"hour": 12, "minute": 3}
